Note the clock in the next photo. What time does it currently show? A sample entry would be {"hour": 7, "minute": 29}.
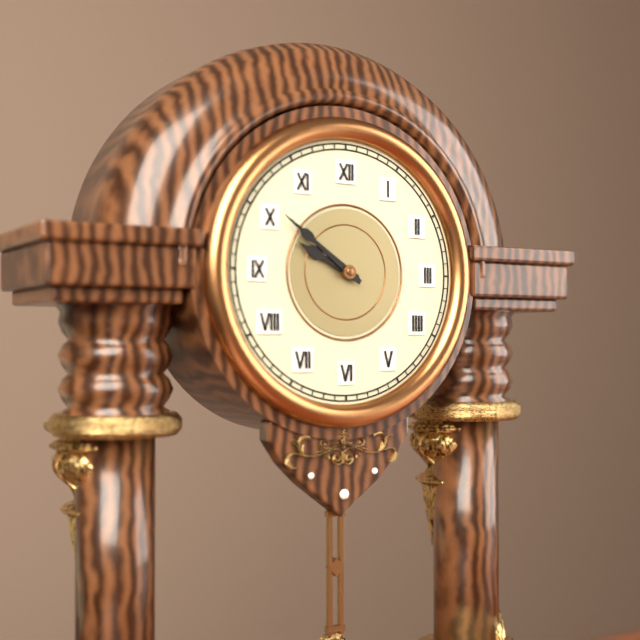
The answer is {"hour": 9, "minute": 51}
